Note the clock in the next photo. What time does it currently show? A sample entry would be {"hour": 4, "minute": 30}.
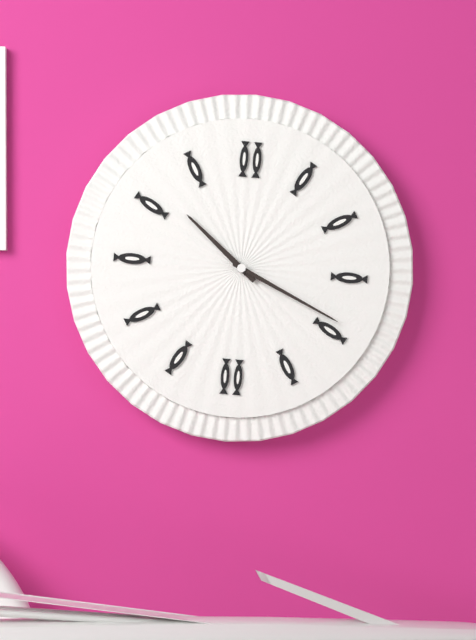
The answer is {"hour": 10, "minute": 19}
